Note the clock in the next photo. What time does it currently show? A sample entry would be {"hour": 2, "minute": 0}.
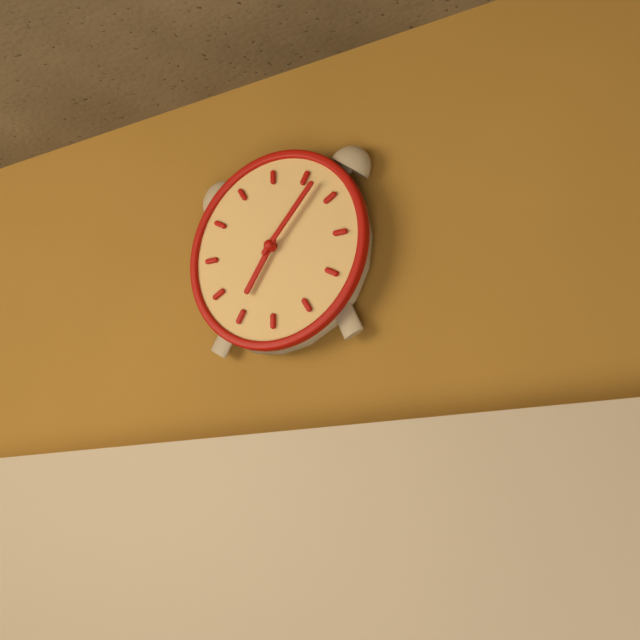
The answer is {"hour": 7, "minute": 7}
